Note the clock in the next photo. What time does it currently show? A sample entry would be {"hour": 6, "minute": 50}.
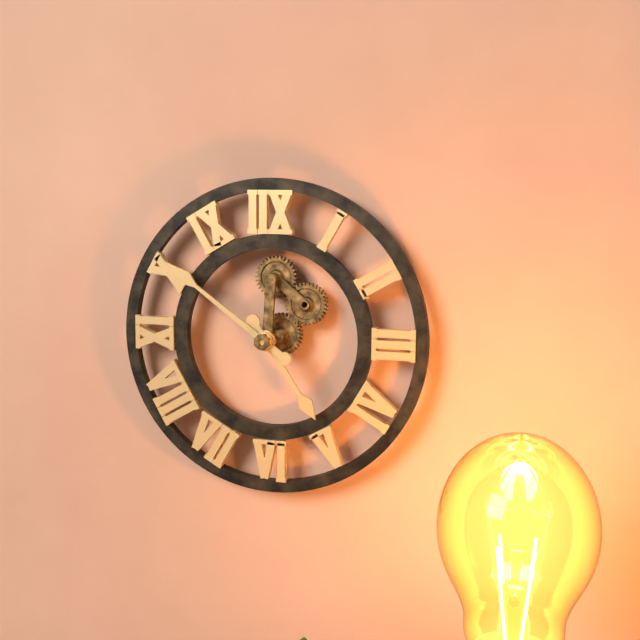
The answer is {"hour": 4, "minute": 51}
